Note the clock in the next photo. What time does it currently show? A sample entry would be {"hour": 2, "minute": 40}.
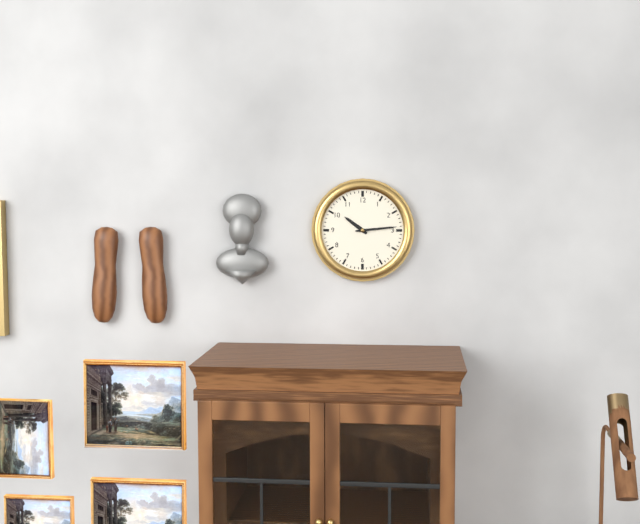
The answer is {"hour": 10, "minute": 14}
